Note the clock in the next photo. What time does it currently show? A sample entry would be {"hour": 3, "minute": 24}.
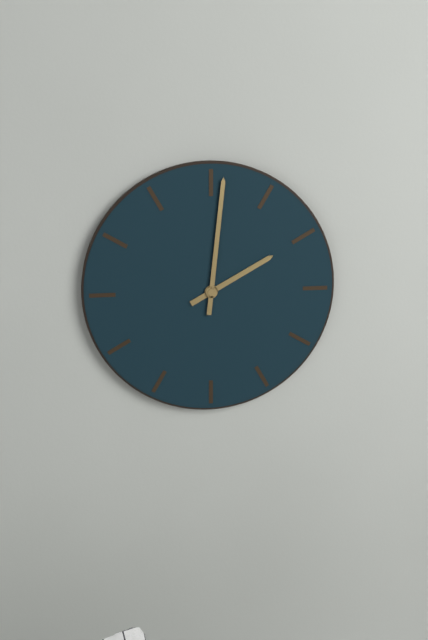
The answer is {"hour": 2, "minute": 1}
